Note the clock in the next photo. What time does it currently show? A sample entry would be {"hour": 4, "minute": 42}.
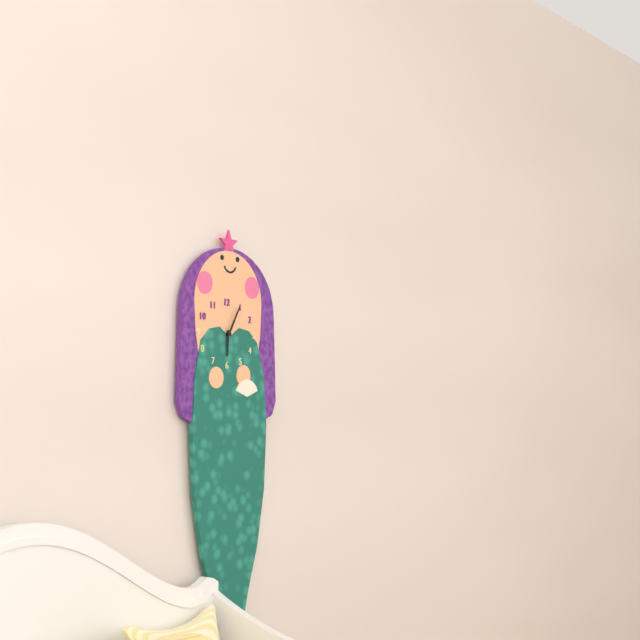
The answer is {"hour": 6, "minute": 5}
